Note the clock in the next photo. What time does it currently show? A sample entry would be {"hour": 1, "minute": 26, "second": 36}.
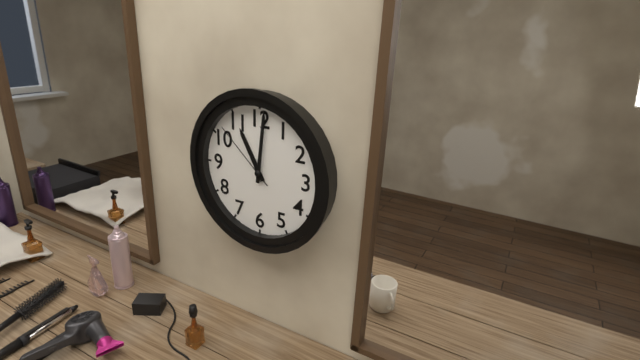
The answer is {"hour": 11, "minute": 1, "second": 52}
